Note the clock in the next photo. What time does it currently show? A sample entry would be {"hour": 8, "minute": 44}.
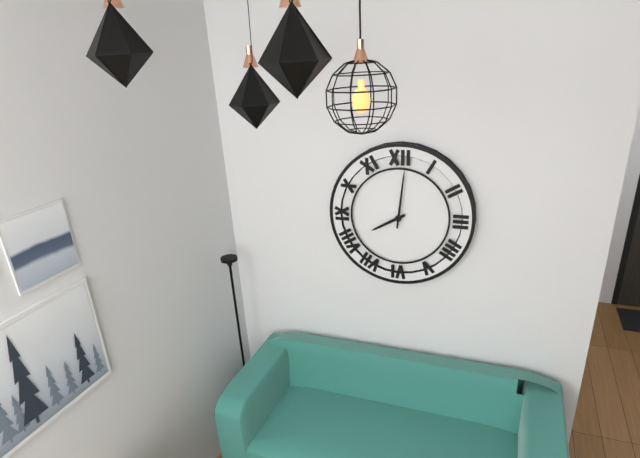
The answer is {"hour": 8, "minute": 1}
